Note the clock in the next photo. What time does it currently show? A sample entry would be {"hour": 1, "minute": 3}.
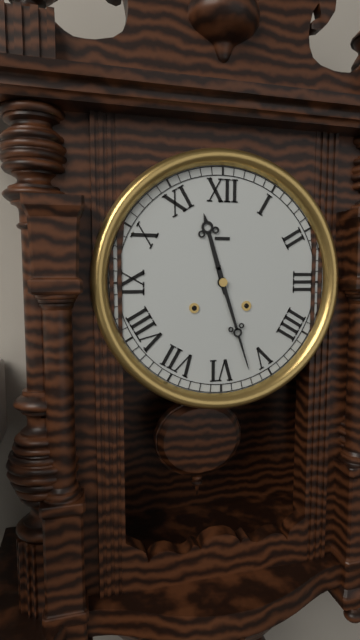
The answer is {"hour": 11, "minute": 27}
